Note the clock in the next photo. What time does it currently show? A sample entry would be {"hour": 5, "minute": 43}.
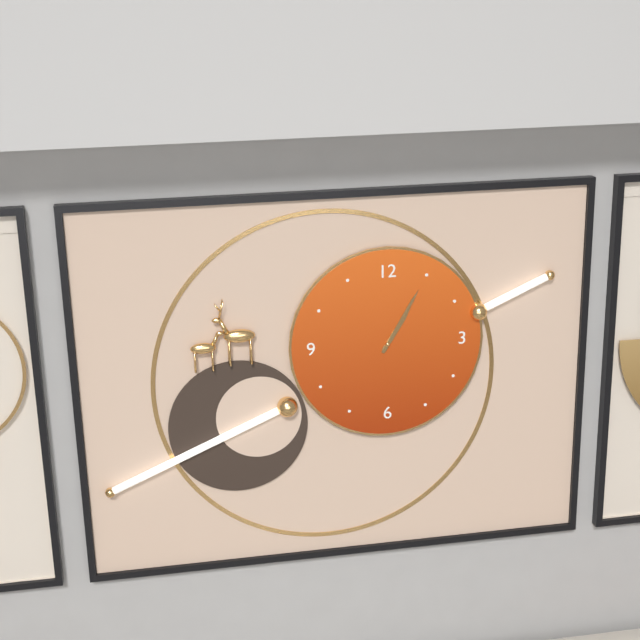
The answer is {"hour": 1, "minute": 5}
